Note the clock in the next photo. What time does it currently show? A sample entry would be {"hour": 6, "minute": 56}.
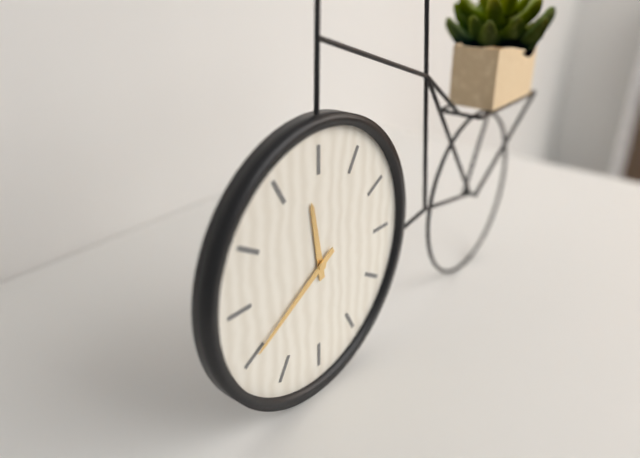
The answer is {"hour": 11, "minute": 40}
